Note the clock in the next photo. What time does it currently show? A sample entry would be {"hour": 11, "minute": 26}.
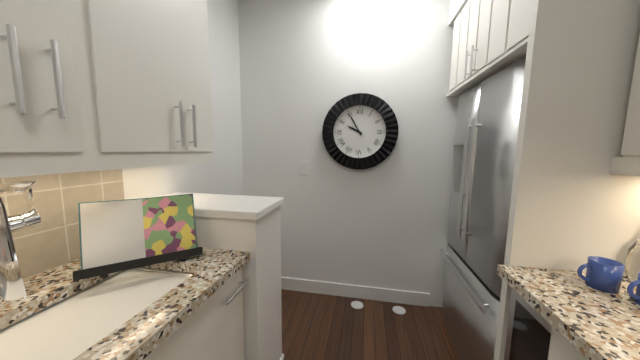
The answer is {"hour": 9, "minute": 55}
